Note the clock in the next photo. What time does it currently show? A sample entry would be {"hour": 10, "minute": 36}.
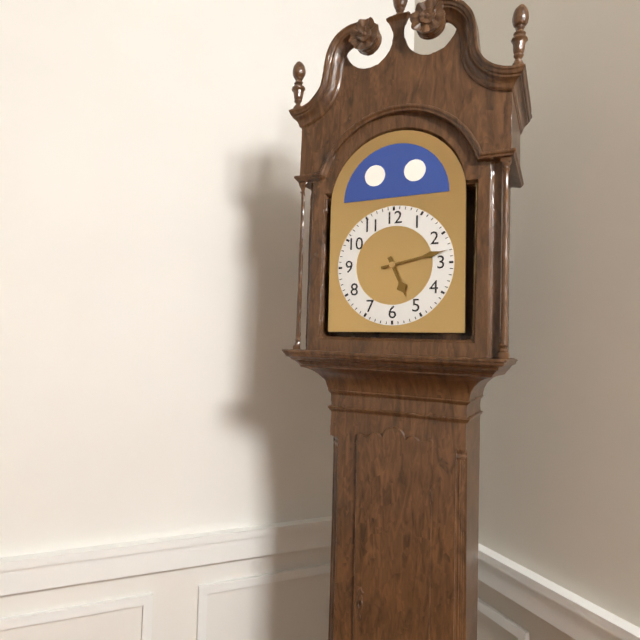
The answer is {"hour": 5, "minute": 13}
